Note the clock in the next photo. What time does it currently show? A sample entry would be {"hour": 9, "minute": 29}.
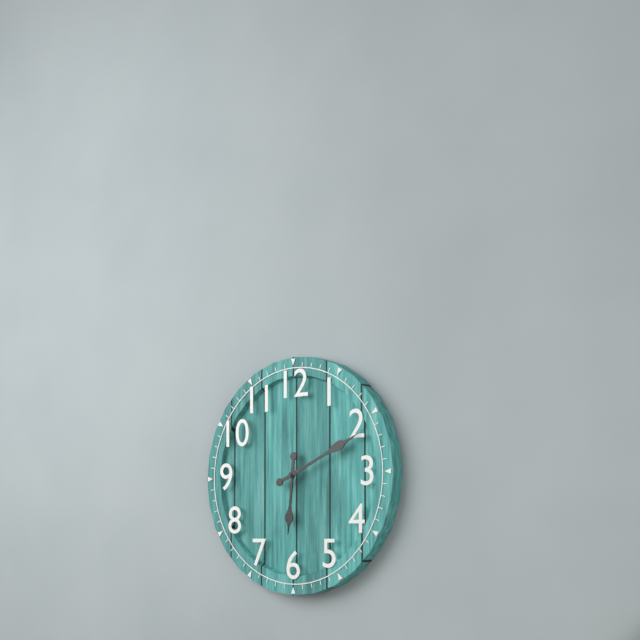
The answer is {"hour": 6, "minute": 11}
